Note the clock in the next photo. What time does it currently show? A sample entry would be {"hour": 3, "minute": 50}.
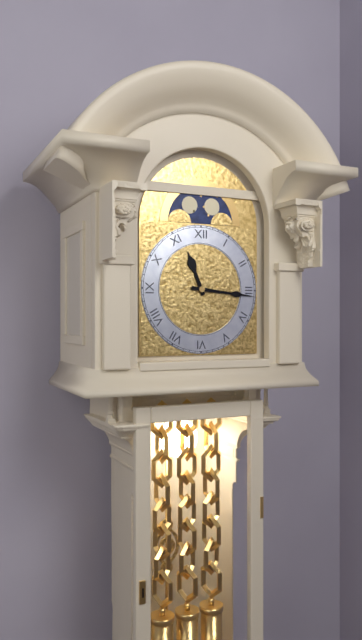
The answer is {"hour": 11, "minute": 16}
